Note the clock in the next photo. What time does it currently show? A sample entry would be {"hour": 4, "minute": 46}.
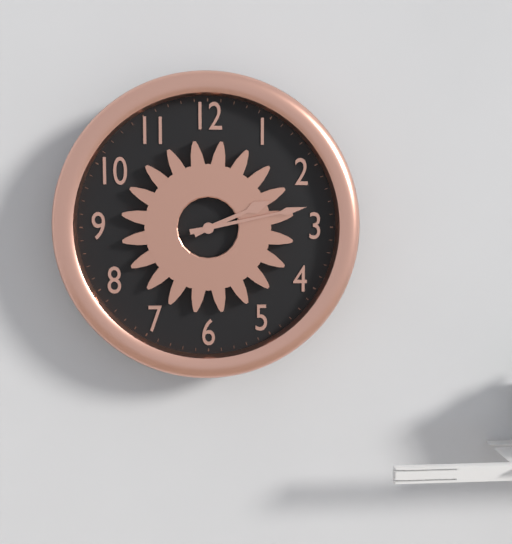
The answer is {"hour": 2, "minute": 13}
